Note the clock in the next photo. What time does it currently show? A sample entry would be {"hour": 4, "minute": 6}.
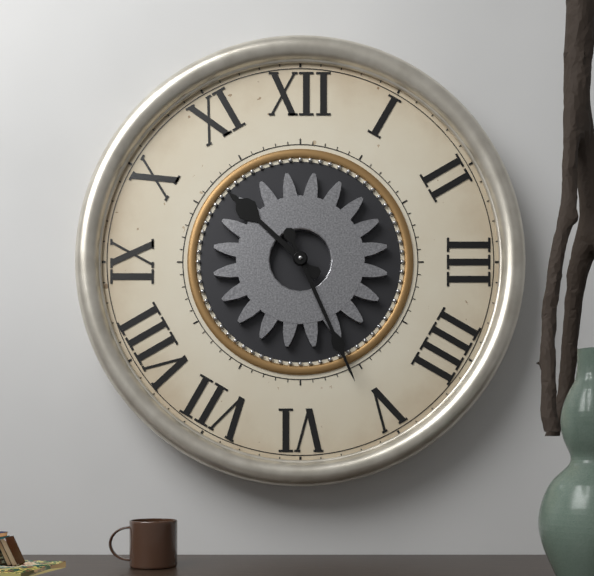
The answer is {"hour": 10, "minute": 26}
